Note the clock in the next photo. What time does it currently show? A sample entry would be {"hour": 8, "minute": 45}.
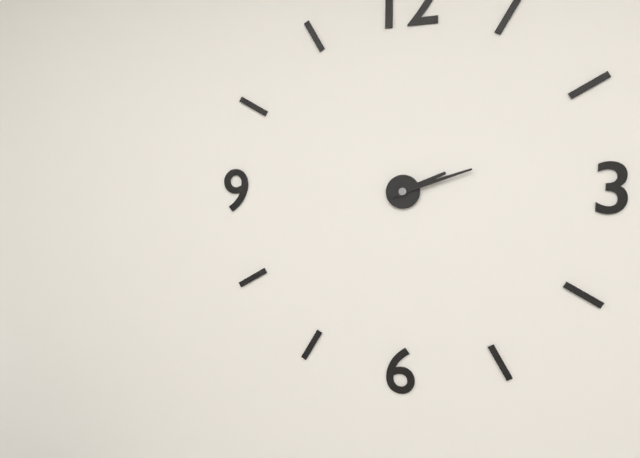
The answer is {"hour": 2, "minute": 12}
